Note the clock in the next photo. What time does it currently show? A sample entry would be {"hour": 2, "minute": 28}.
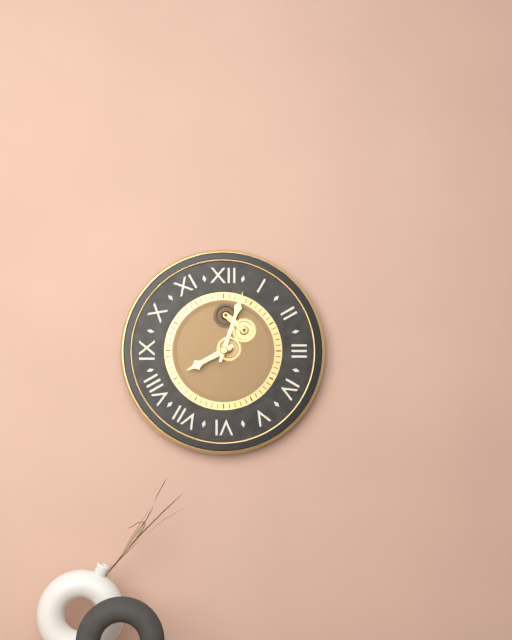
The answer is {"hour": 8, "minute": 3}
